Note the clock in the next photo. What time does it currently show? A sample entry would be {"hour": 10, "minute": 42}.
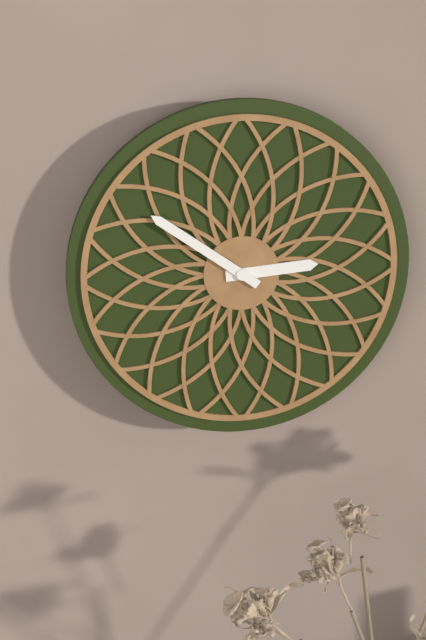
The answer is {"hour": 2, "minute": 51}
